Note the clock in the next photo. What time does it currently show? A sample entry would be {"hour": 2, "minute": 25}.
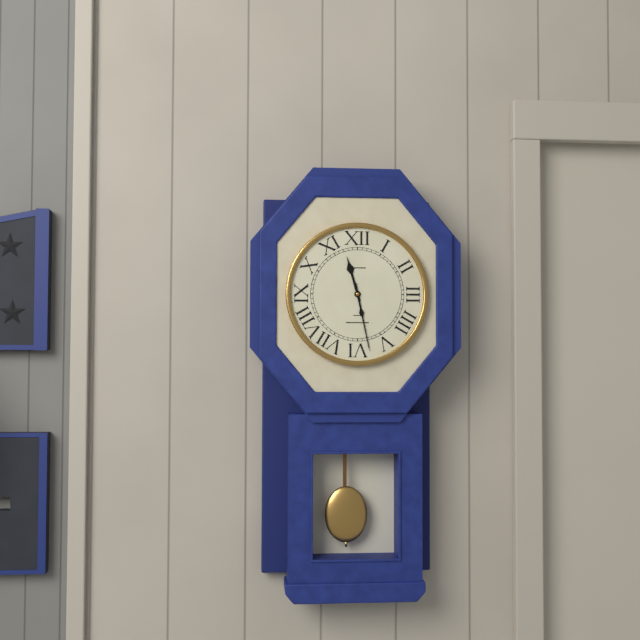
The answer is {"hour": 11, "minute": 28}
